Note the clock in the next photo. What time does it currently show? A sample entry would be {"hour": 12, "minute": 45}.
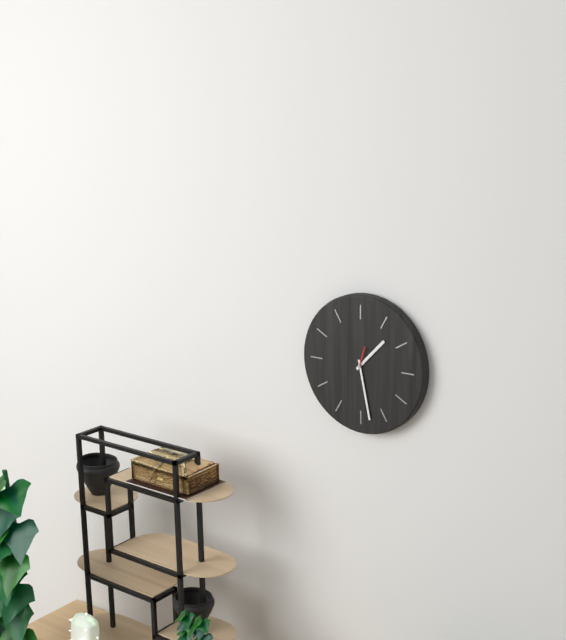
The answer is {"hour": 1, "minute": 28}
